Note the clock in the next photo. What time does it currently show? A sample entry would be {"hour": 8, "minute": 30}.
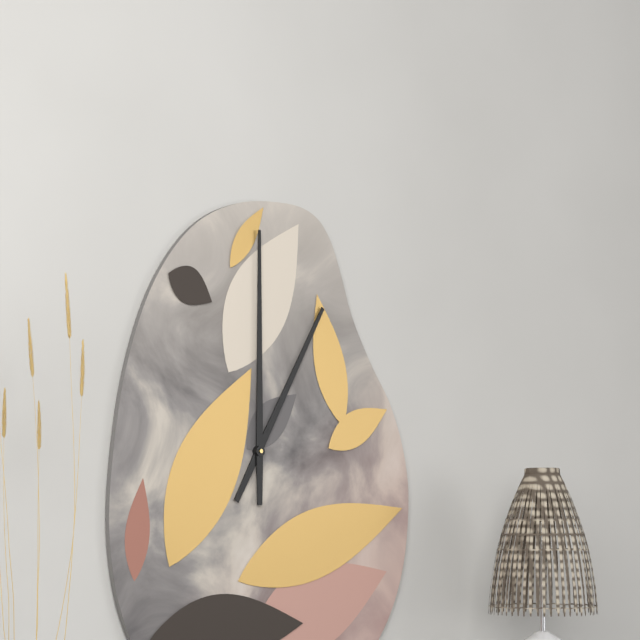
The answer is {"hour": 1, "minute": 0}
